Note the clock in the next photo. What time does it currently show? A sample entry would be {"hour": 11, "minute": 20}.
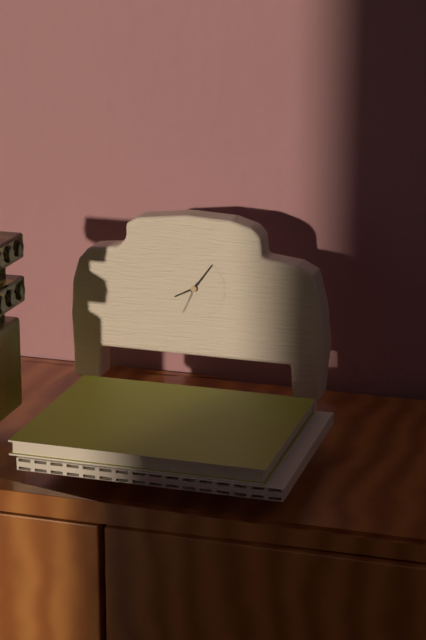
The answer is {"hour": 8, "minute": 6}
